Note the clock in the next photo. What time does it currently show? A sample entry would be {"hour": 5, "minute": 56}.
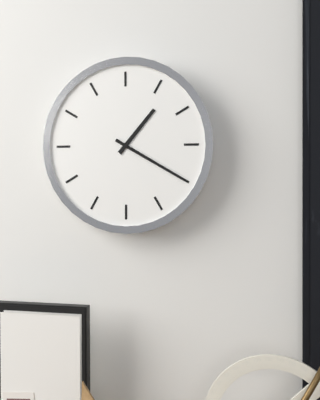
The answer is {"hour": 1, "minute": 20}
